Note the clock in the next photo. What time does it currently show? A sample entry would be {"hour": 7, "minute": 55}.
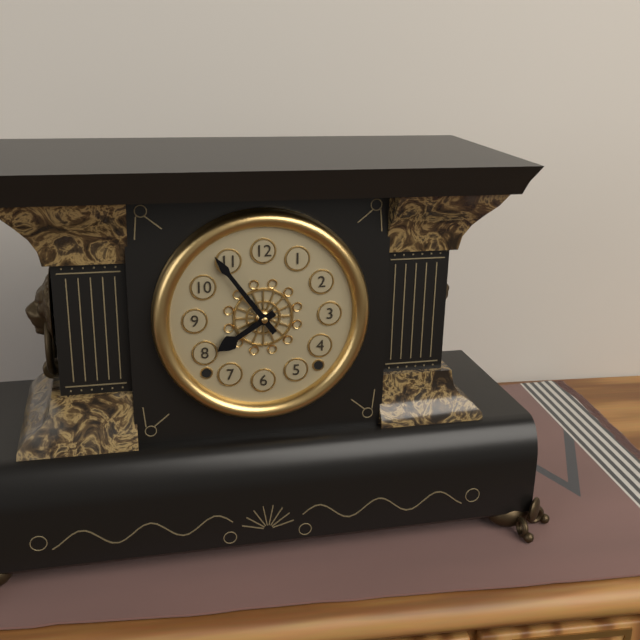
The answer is {"hour": 7, "minute": 54}
